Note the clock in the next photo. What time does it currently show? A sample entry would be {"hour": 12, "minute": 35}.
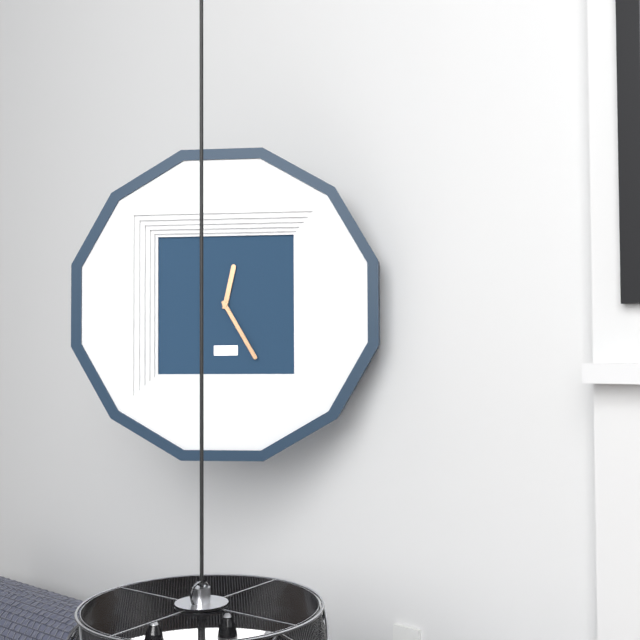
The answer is {"hour": 12, "minute": 25}
